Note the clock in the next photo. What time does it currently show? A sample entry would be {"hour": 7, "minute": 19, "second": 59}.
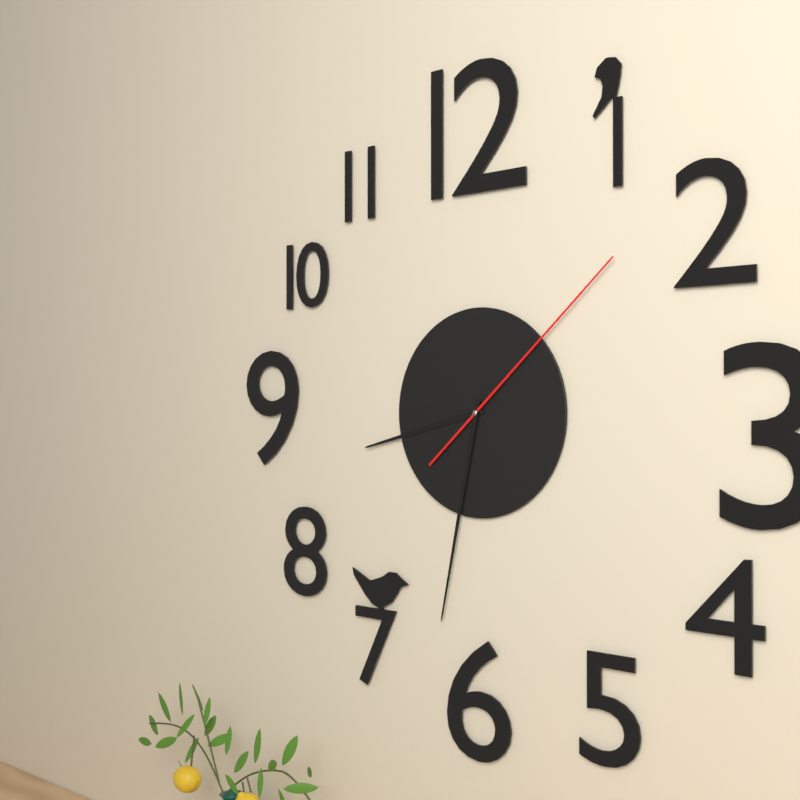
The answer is {"hour": 8, "minute": 32, "second": 8}
